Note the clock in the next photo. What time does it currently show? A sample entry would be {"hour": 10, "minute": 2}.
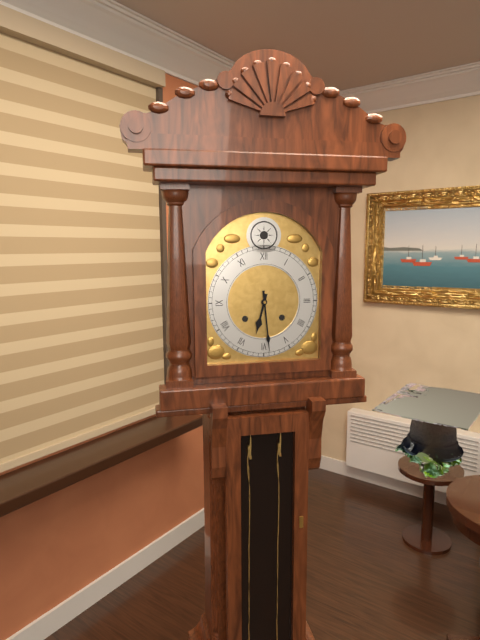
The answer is {"hour": 6, "minute": 29}
